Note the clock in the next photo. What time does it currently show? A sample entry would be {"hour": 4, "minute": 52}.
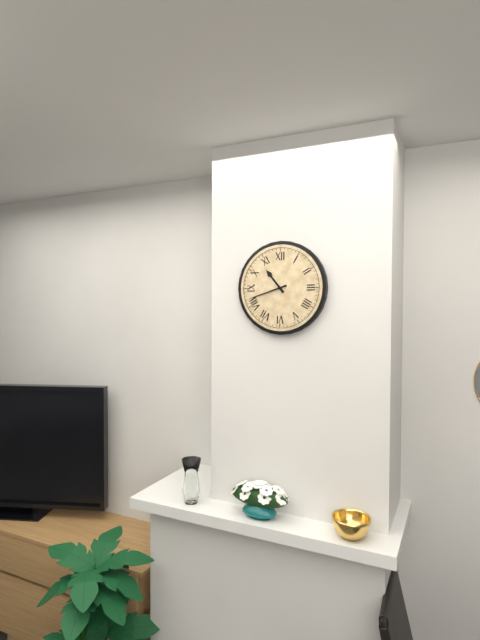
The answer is {"hour": 10, "minute": 42}
